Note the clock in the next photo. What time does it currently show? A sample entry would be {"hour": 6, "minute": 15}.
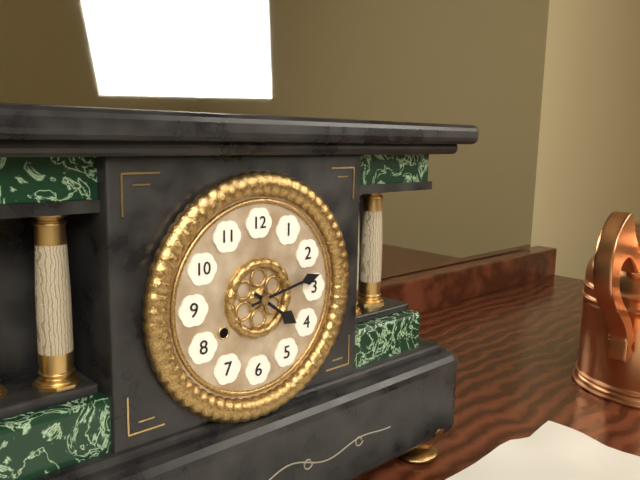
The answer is {"hour": 4, "minute": 13}
